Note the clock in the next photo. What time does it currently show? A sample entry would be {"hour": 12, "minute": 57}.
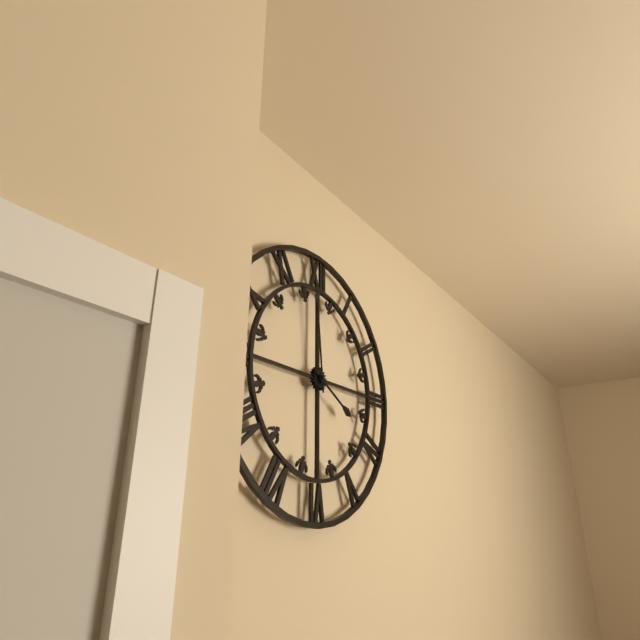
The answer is {"hour": 3, "minute": 59}
